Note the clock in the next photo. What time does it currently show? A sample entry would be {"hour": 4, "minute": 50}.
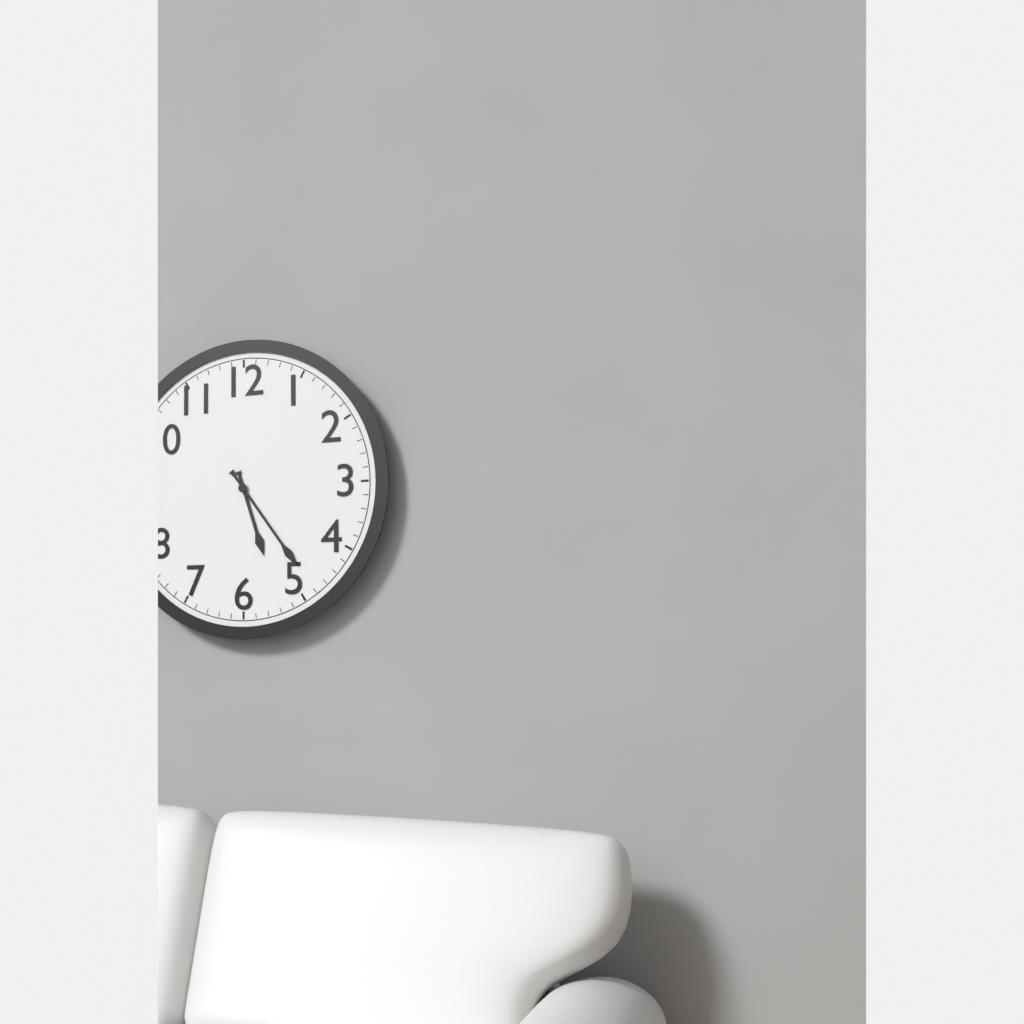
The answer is {"hour": 5, "minute": 24}
